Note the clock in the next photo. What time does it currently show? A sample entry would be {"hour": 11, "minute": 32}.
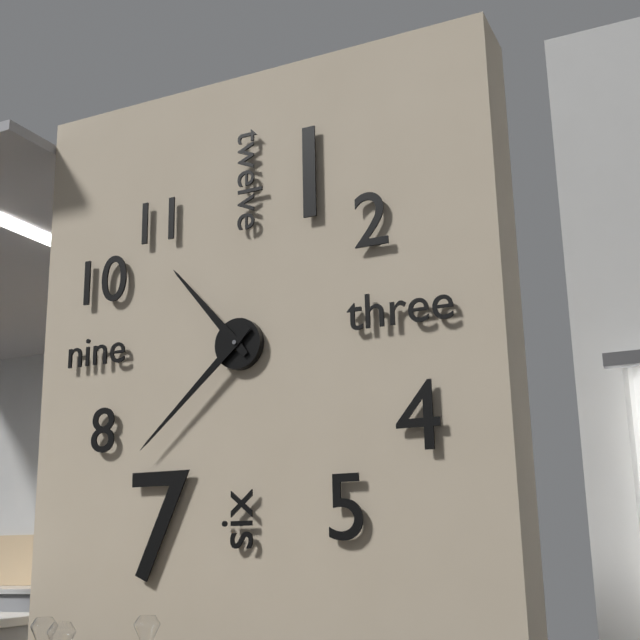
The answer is {"hour": 10, "minute": 38}
